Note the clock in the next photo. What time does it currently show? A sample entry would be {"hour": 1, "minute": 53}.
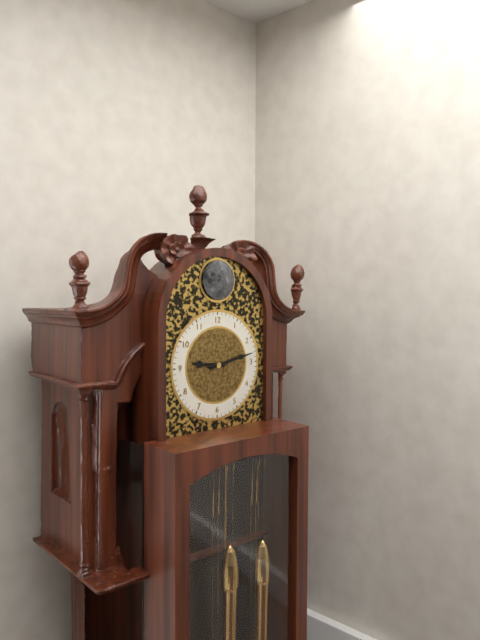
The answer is {"hour": 9, "minute": 13}
